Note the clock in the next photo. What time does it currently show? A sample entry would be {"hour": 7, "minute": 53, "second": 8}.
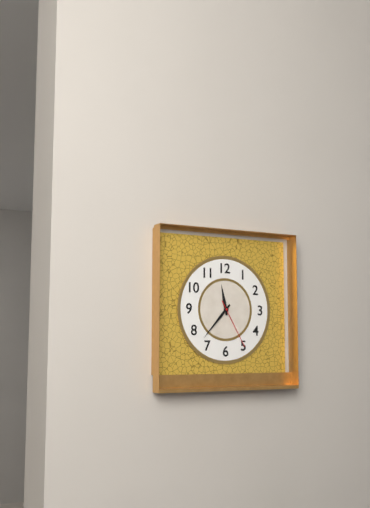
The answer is {"hour": 11, "minute": 37, "second": 25}
